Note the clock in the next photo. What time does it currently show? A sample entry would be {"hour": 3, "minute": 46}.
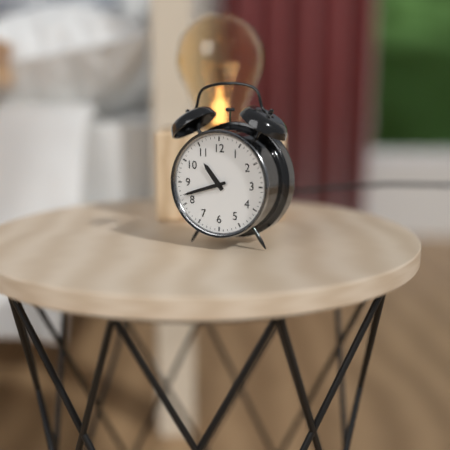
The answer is {"hour": 10, "minute": 42}
